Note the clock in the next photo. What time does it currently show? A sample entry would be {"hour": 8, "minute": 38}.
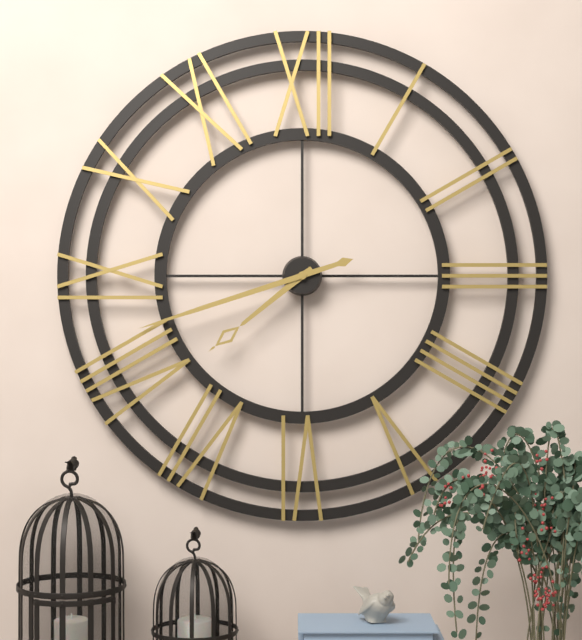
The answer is {"hour": 7, "minute": 42}
